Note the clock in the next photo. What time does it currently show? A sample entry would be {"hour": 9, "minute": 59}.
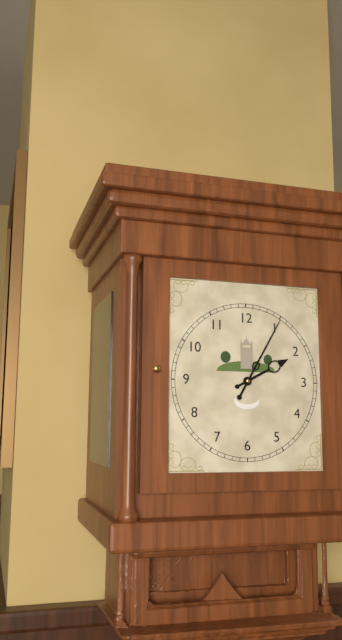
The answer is {"hour": 2, "minute": 5}
